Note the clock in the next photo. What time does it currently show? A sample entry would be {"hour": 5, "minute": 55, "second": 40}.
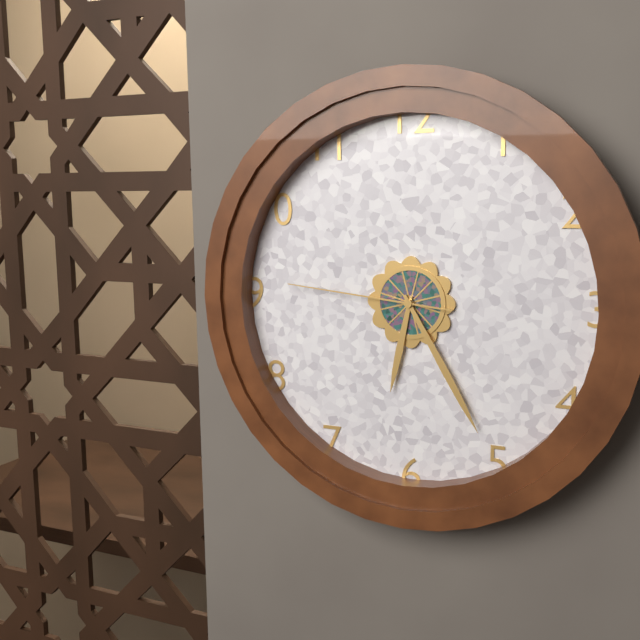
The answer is {"hour": 6, "minute": 25, "second": 46}
